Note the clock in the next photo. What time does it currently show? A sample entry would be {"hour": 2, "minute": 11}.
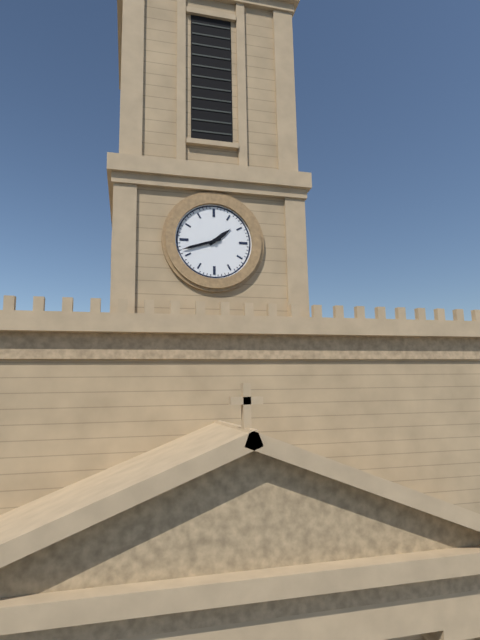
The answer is {"hour": 1, "minute": 42}
